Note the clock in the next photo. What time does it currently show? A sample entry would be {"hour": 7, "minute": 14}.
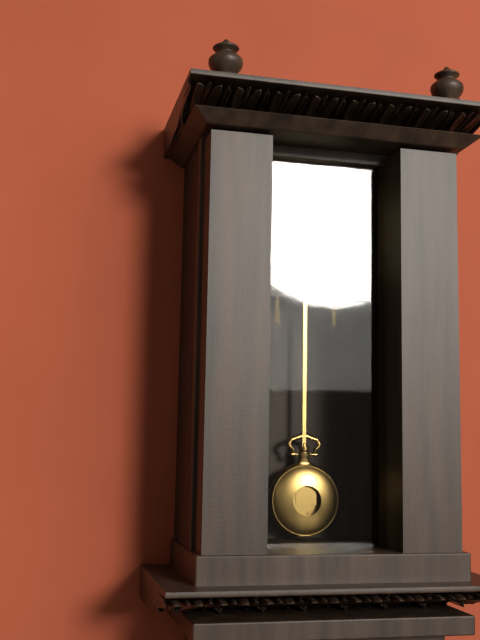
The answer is {"hour": 4, "minute": 33}
